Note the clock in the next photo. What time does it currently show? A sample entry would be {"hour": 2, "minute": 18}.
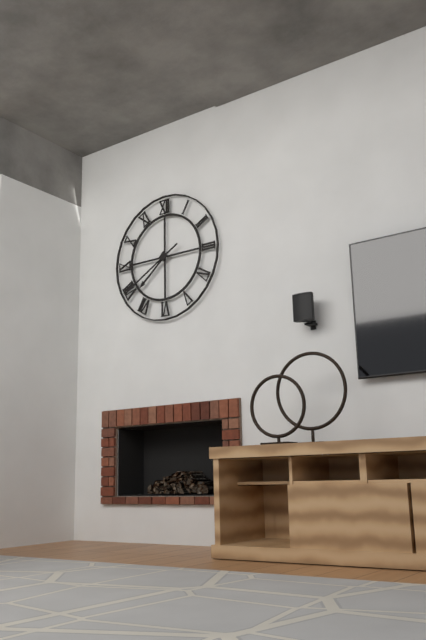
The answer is {"hour": 7, "minute": 40}
